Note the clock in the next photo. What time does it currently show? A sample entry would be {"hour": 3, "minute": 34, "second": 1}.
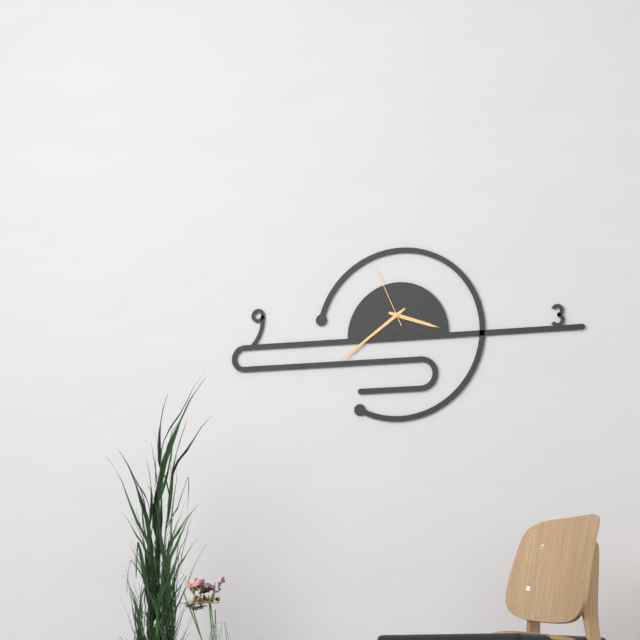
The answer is {"hour": 3, "minute": 39, "second": 56}
